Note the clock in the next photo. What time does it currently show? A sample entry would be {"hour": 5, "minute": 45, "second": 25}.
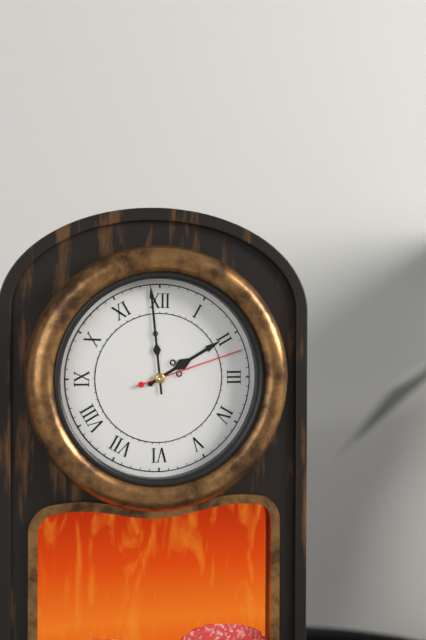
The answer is {"hour": 1, "minute": 59, "second": 12}
